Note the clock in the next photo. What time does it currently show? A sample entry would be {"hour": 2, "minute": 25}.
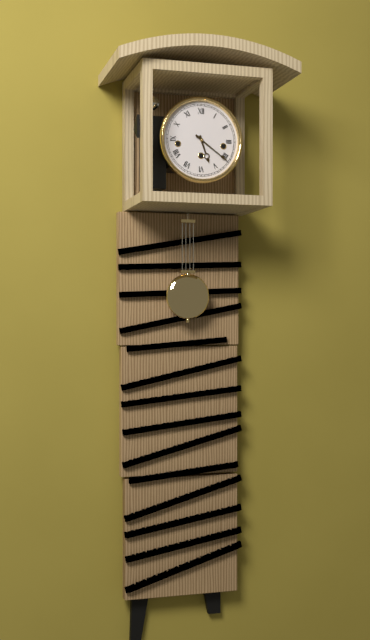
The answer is {"hour": 5, "minute": 21}
